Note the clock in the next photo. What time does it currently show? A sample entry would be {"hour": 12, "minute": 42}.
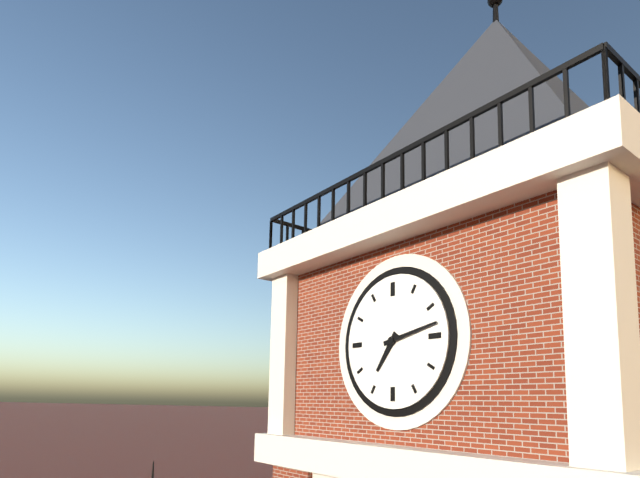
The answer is {"hour": 7, "minute": 13}
